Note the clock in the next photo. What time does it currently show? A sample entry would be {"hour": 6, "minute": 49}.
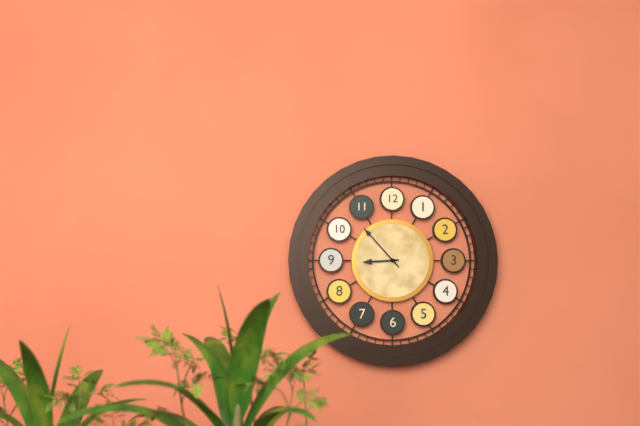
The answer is {"hour": 8, "minute": 53}
